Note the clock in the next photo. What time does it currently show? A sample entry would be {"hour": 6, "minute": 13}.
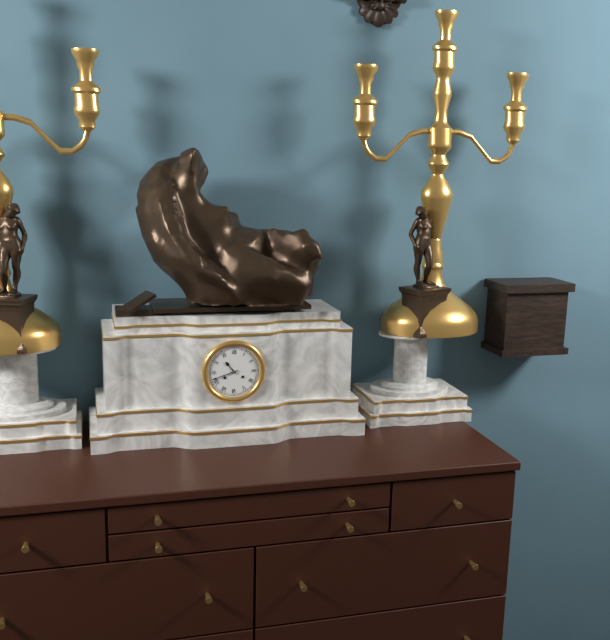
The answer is {"hour": 10, "minute": 42}
